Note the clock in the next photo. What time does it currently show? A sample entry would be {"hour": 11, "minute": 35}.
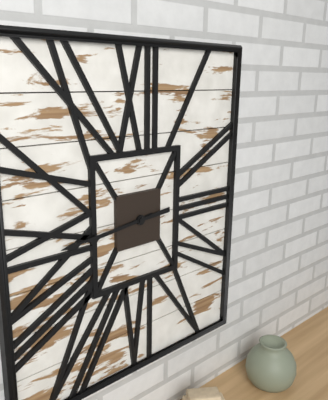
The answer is {"hour": 8, "minute": 44}
